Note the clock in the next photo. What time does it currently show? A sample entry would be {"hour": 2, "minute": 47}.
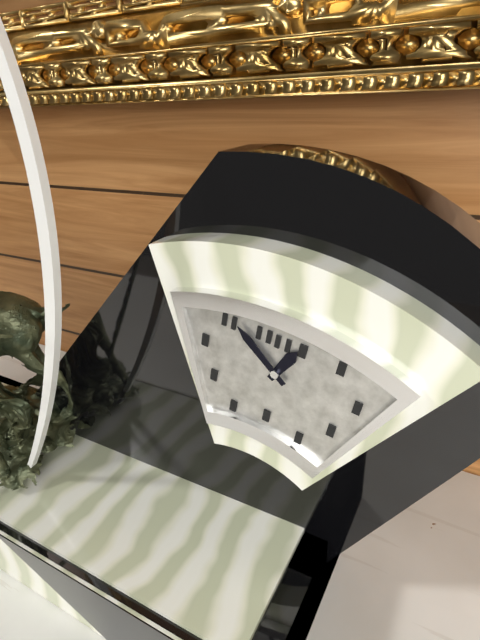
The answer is {"hour": 12, "minute": 51}
